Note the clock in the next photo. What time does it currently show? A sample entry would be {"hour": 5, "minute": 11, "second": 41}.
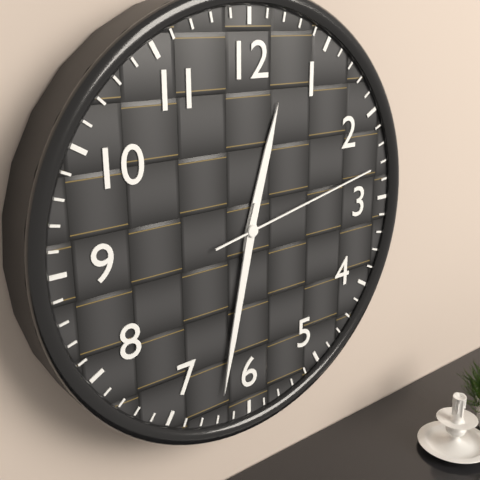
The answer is {"hour": 12, "minute": 32, "second": 13}
